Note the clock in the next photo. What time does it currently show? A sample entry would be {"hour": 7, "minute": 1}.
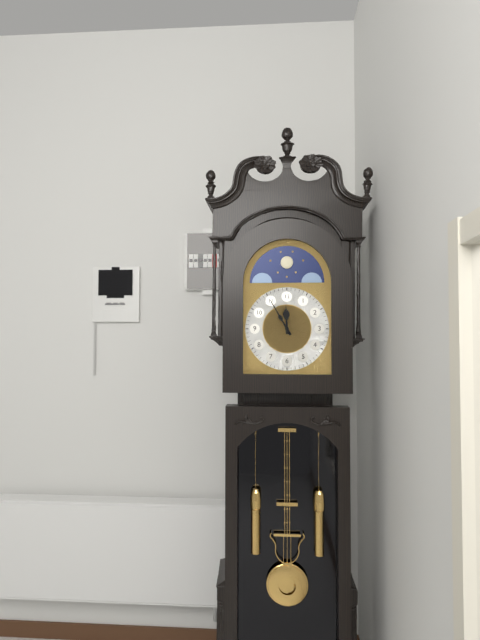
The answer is {"hour": 11, "minute": 55}
